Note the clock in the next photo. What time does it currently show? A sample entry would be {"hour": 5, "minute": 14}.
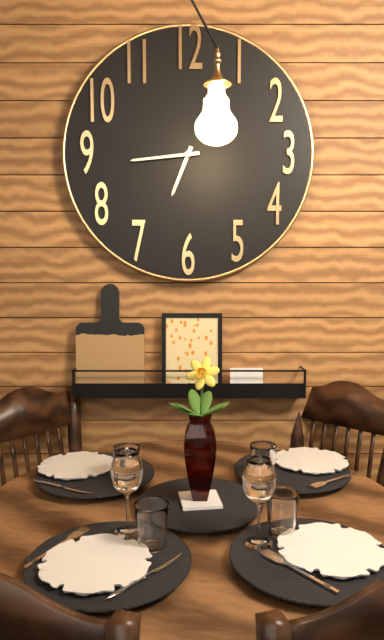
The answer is {"hour": 6, "minute": 44}
